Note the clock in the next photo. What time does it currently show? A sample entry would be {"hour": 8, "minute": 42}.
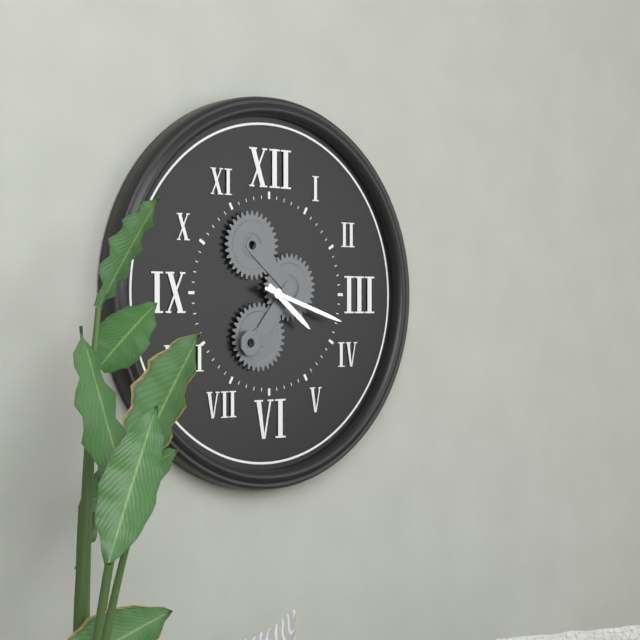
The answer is {"hour": 4, "minute": 18}
